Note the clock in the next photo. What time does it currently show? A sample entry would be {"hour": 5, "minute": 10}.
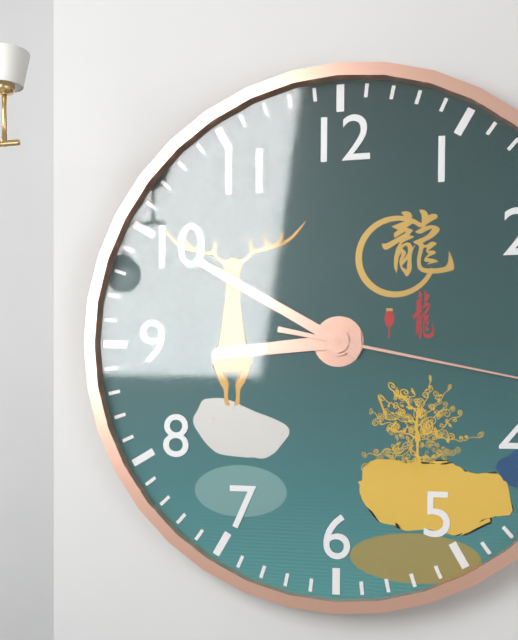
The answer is {"hour": 8, "minute": 50}
